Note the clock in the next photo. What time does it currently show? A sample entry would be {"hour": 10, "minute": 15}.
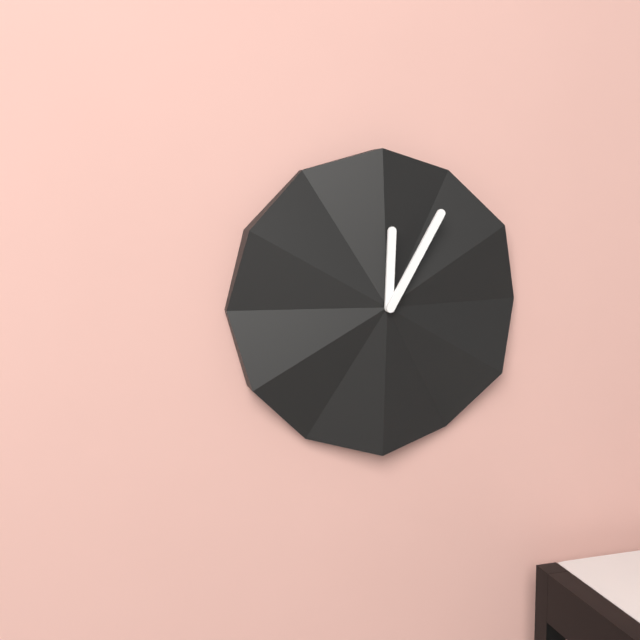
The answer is {"hour": 12, "minute": 5}
